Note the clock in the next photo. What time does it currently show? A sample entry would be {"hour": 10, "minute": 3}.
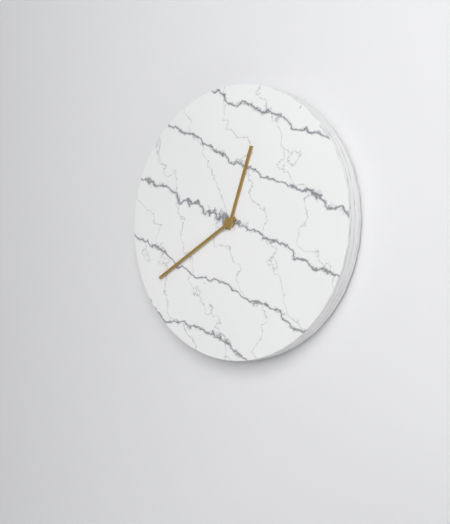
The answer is {"hour": 12, "minute": 40}
